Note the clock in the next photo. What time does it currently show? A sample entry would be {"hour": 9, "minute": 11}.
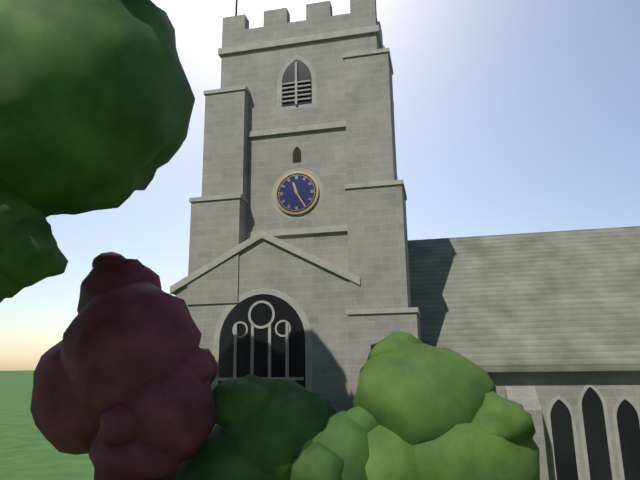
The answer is {"hour": 11, "minute": 25}
